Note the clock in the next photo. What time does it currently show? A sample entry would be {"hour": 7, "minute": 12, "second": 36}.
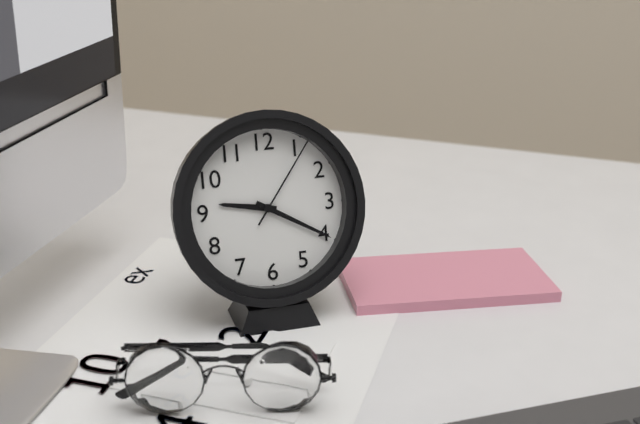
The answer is {"hour": 9, "minute": 20, "second": 6}
